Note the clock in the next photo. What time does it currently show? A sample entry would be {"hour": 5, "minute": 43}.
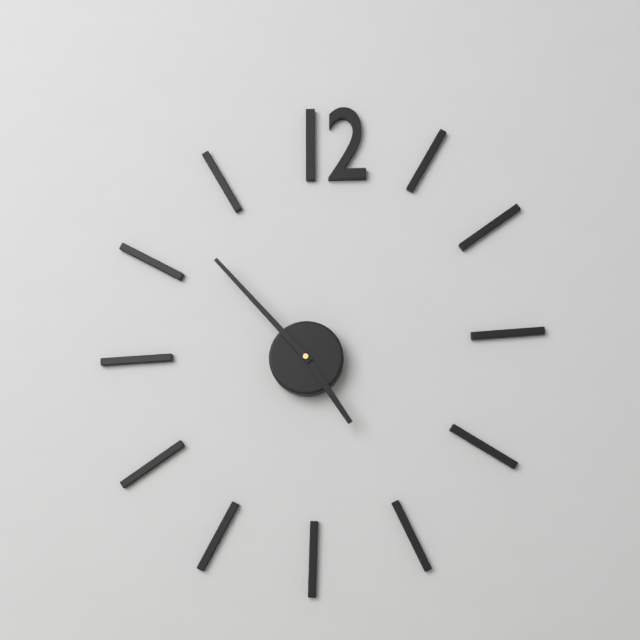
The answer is {"hour": 4, "minute": 53}
